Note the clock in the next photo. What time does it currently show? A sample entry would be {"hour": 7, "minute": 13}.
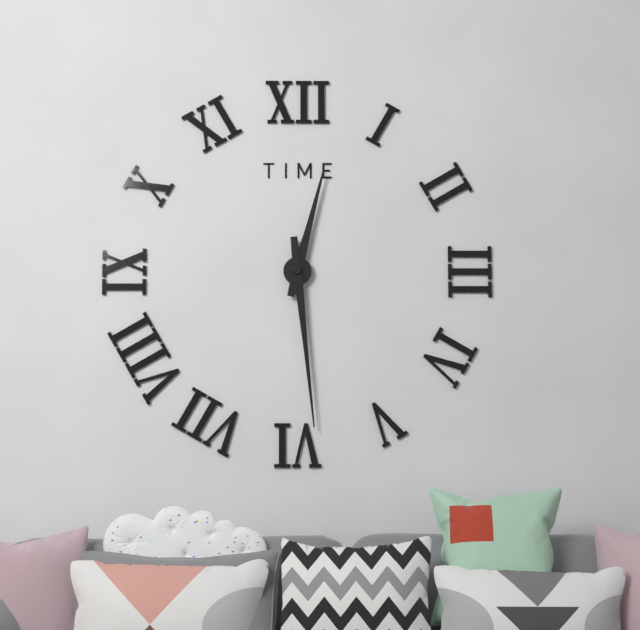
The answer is {"hour": 12, "minute": 29}
